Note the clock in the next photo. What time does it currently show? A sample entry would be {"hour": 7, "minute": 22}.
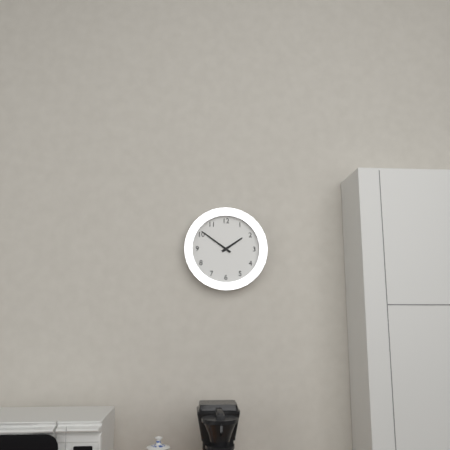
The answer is {"hour": 1, "minute": 51}
